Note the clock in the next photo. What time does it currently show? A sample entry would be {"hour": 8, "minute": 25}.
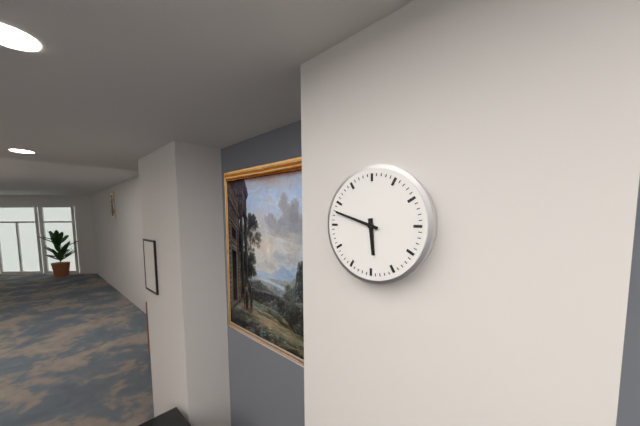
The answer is {"hour": 5, "minute": 48}
